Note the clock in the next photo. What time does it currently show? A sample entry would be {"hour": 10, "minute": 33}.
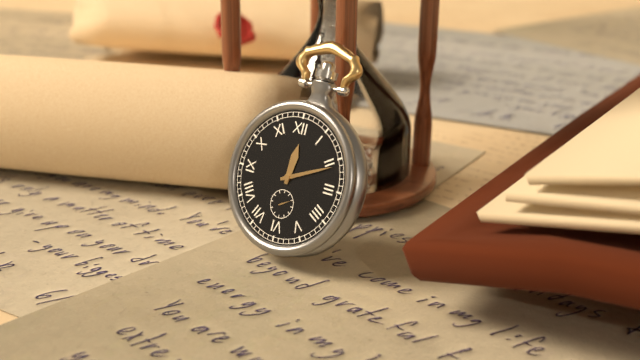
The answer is {"hour": 12, "minute": 11}
